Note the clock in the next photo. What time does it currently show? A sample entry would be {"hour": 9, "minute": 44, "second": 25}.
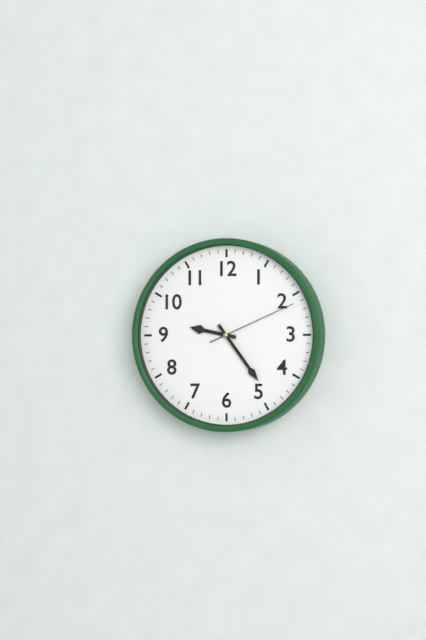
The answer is {"hour": 9, "minute": 24, "second": 11}
